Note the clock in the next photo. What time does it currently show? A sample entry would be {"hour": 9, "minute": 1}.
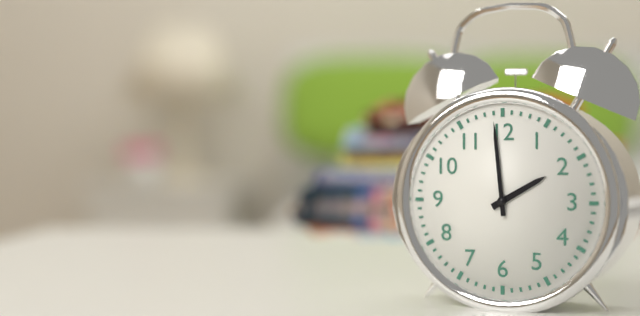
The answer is {"hour": 1, "minute": 59}
